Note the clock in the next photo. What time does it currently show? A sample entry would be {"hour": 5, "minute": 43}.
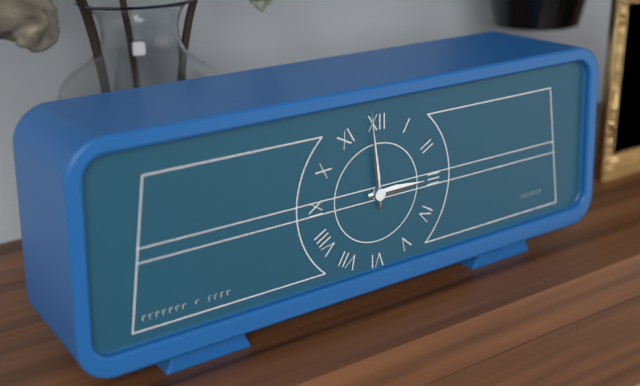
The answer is {"hour": 2, "minute": 59}
